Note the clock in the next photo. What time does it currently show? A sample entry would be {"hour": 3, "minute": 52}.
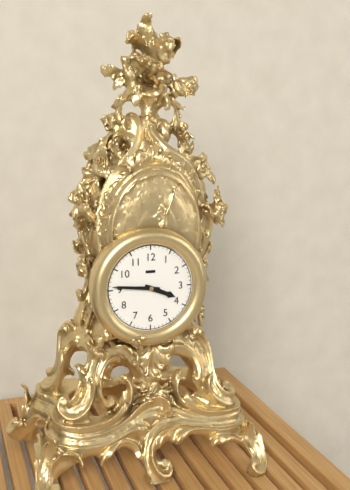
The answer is {"hour": 3, "minute": 46}
